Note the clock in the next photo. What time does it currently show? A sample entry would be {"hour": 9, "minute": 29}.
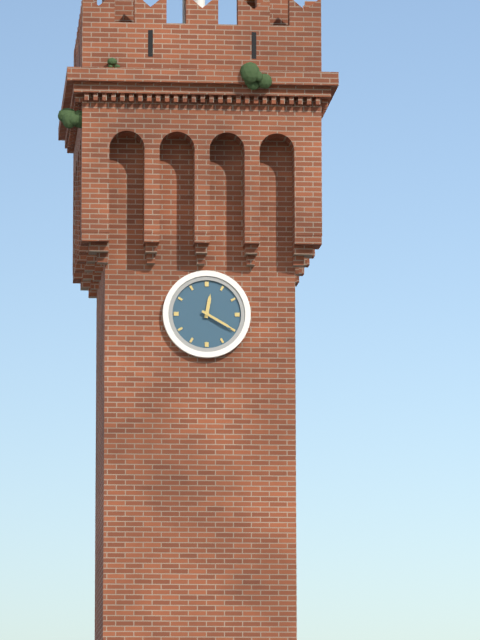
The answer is {"hour": 12, "minute": 20}
